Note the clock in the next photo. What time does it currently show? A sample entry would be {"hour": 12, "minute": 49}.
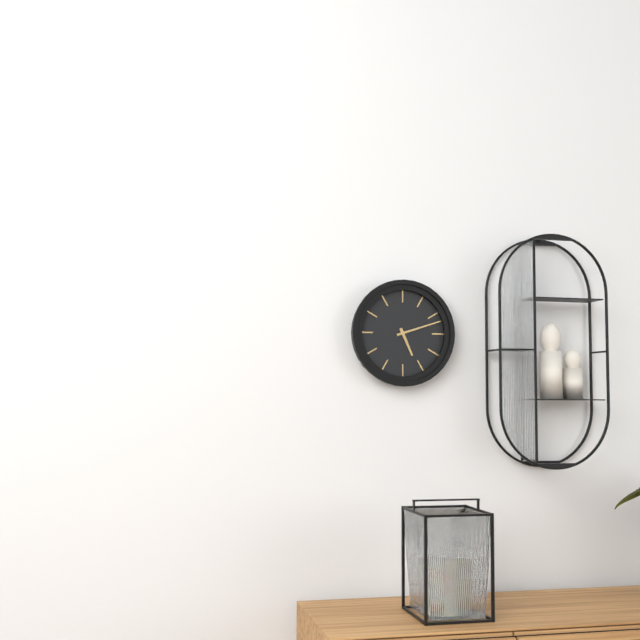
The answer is {"hour": 5, "minute": 12}
